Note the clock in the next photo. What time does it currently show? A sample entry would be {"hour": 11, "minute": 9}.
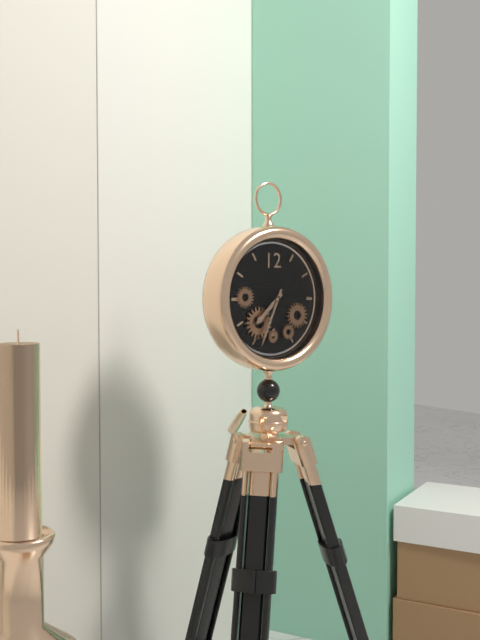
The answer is {"hour": 7, "minute": 34}
